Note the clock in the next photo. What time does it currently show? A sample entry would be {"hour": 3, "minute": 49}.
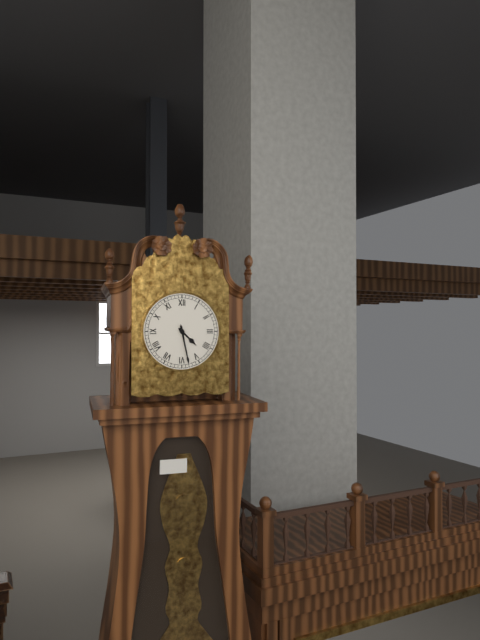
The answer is {"hour": 4, "minute": 28}
